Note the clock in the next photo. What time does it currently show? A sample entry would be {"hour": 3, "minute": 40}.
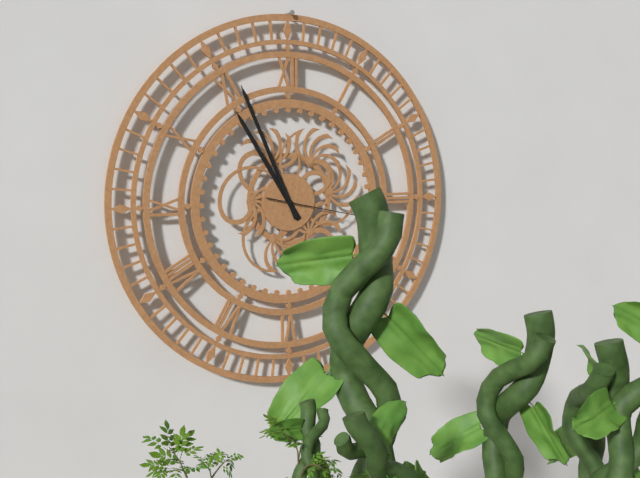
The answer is {"hour": 10, "minute": 56}
